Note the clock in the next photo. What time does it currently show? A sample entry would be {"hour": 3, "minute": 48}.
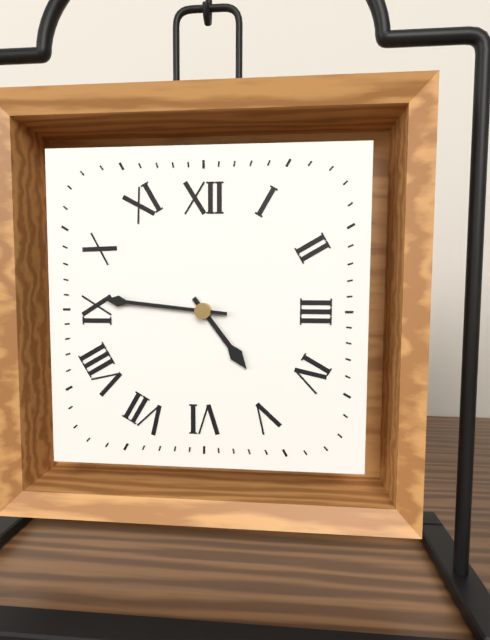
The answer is {"hour": 4, "minute": 46}
